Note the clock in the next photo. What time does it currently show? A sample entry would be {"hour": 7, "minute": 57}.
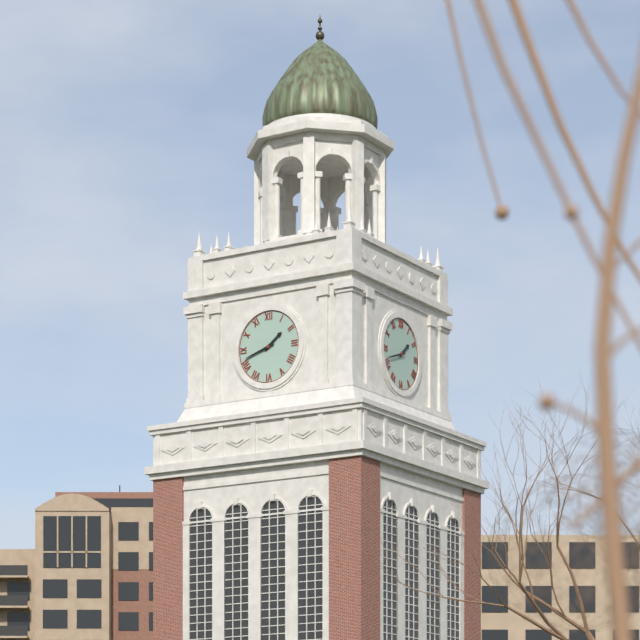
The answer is {"hour": 1, "minute": 42}
